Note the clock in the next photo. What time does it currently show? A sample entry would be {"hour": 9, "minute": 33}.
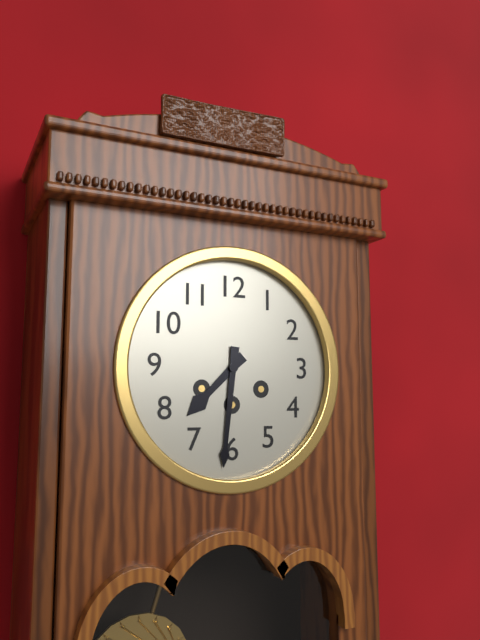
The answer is {"hour": 7, "minute": 31}
